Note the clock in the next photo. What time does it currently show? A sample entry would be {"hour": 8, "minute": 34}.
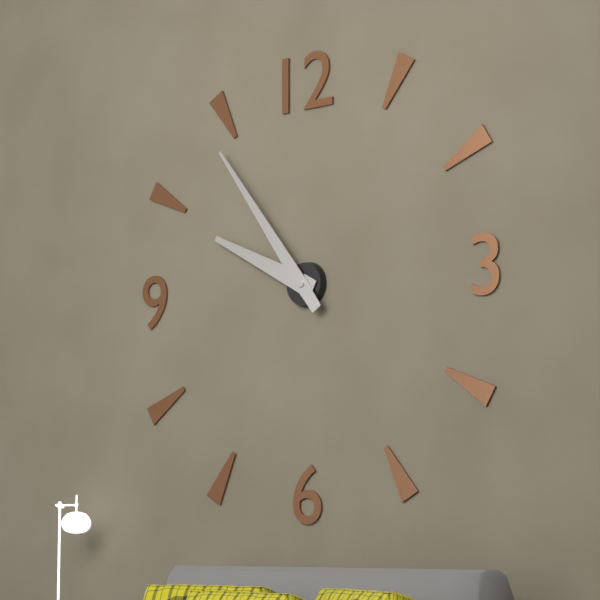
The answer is {"hour": 9, "minute": 54}
